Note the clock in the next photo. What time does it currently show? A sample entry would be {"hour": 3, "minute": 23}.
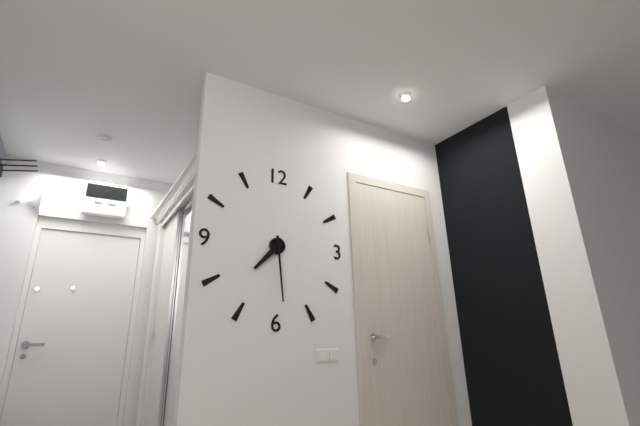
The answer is {"hour": 7, "minute": 29}
